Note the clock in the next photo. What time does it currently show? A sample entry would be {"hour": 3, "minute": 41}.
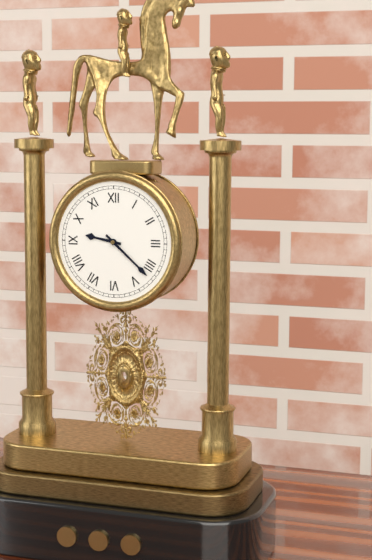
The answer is {"hour": 9, "minute": 22}
